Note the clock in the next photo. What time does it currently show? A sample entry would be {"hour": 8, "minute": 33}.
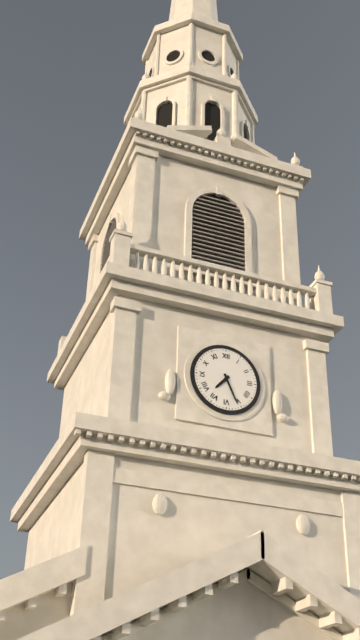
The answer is {"hour": 7, "minute": 26}
